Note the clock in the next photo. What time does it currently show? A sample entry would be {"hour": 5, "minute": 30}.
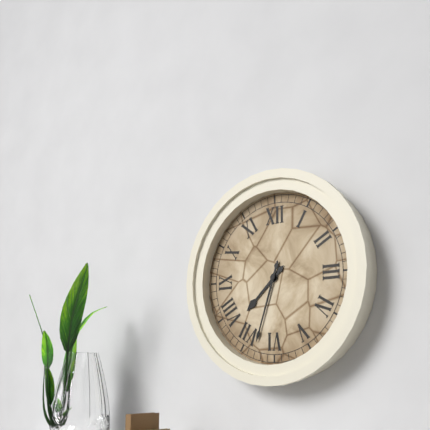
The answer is {"hour": 7, "minute": 33}
